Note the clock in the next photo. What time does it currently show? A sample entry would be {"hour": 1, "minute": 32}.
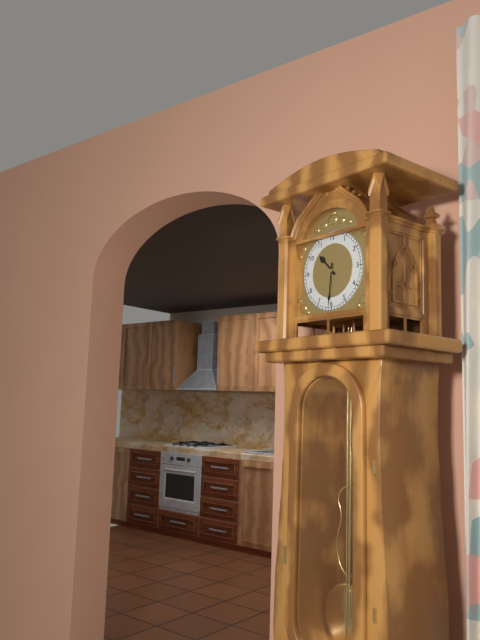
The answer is {"hour": 10, "minute": 31}
